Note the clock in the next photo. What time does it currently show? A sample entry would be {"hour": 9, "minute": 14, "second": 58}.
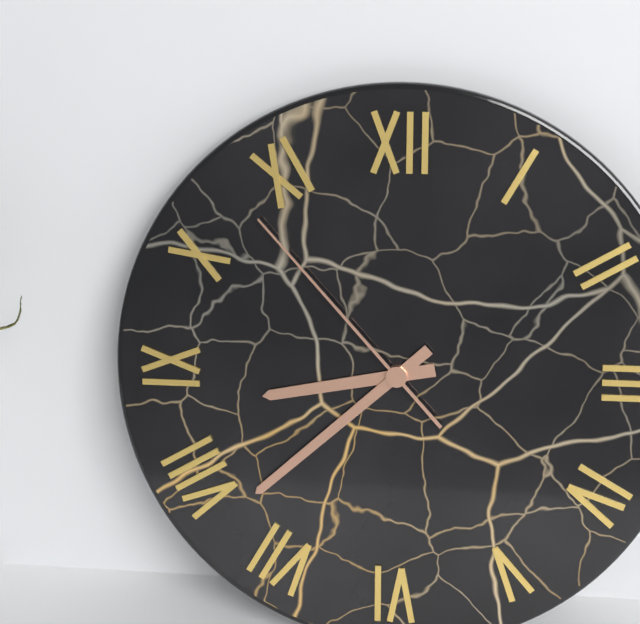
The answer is {"hour": 8, "minute": 38, "second": 53}
